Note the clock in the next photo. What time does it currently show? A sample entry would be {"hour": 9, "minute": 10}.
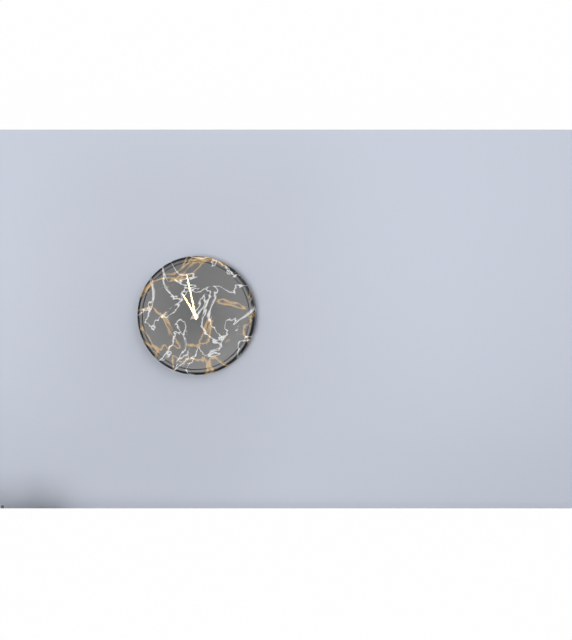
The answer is {"hour": 10, "minute": 58}
